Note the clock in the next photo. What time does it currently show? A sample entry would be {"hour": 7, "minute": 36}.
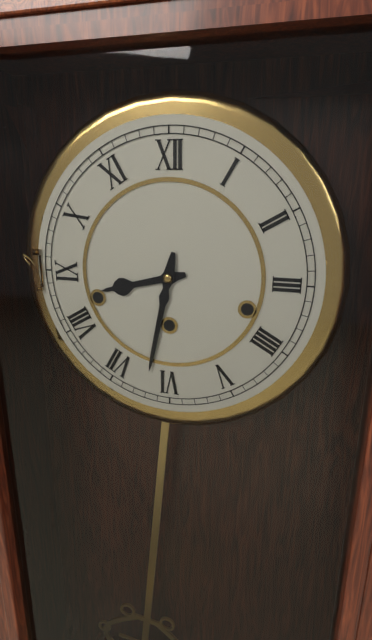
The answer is {"hour": 8, "minute": 32}
